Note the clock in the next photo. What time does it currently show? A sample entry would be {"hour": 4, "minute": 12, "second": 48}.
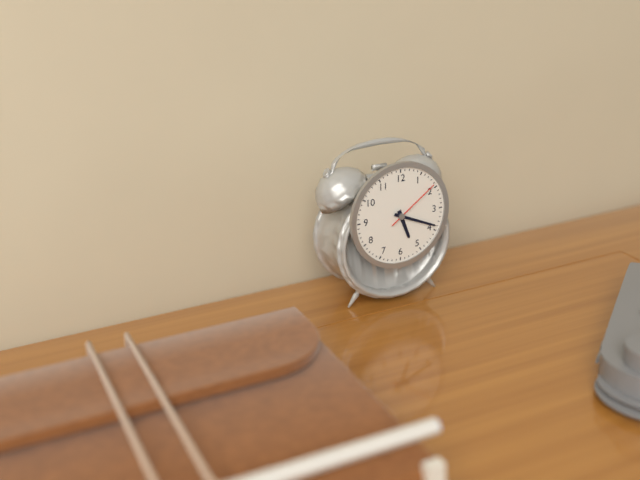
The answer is {"hour": 5, "minute": 19, "second": 9}
